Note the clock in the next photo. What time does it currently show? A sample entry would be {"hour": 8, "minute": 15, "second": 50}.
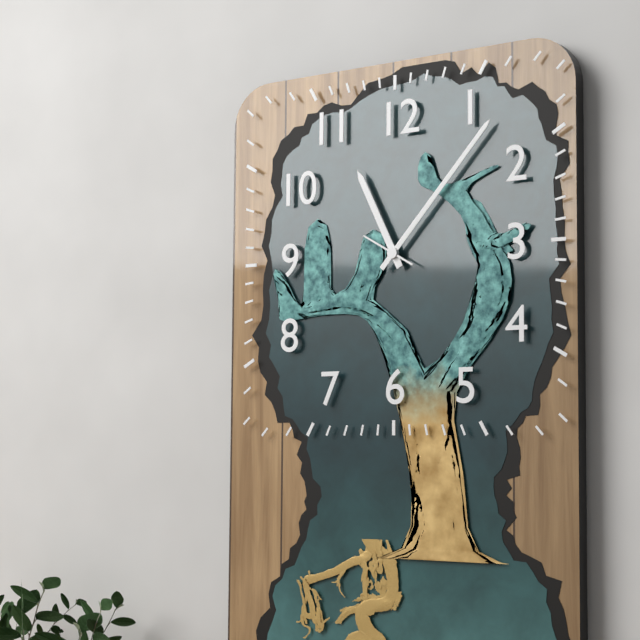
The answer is {"hour": 11, "minute": 7, "second": 50}
